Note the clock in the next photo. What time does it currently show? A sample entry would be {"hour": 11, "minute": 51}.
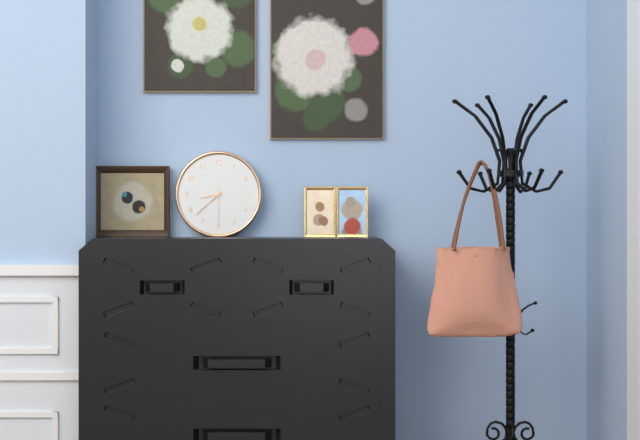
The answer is {"hour": 8, "minute": 38}
